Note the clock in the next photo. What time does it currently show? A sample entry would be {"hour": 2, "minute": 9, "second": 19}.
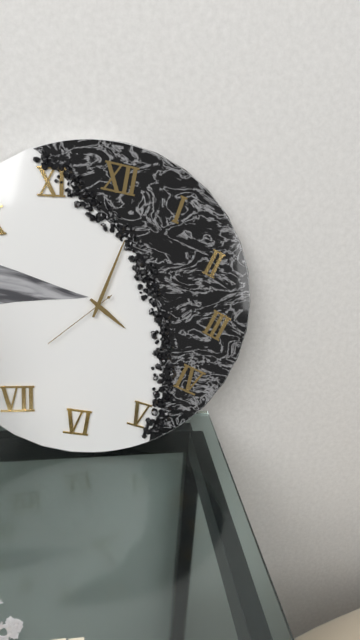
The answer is {"hour": 4, "minute": 2, "second": 37}
